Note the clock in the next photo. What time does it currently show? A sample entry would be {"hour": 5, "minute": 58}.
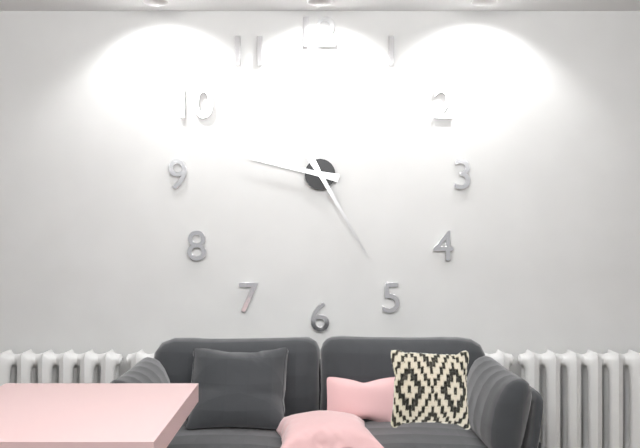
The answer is {"hour": 9, "minute": 25}
